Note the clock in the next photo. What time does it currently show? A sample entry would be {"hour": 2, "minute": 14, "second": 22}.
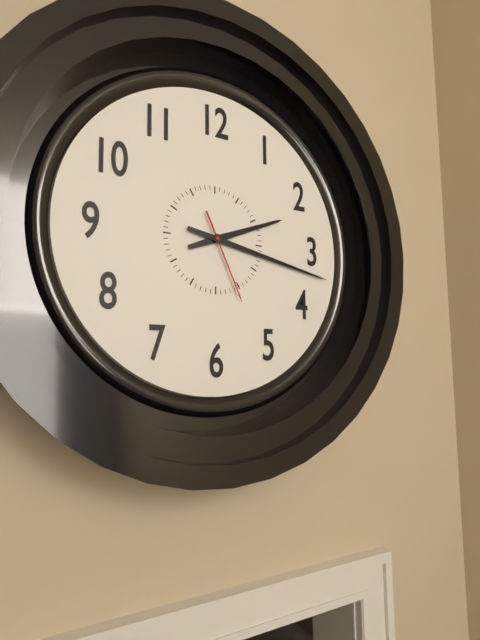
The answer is {"hour": 2, "minute": 17, "second": 26}
